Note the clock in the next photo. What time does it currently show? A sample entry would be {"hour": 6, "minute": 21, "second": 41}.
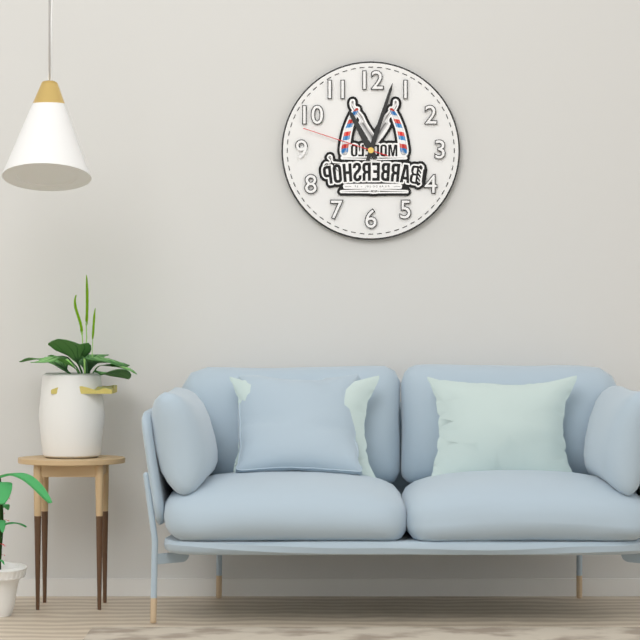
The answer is {"hour": 11, "minute": 3, "second": 48}
